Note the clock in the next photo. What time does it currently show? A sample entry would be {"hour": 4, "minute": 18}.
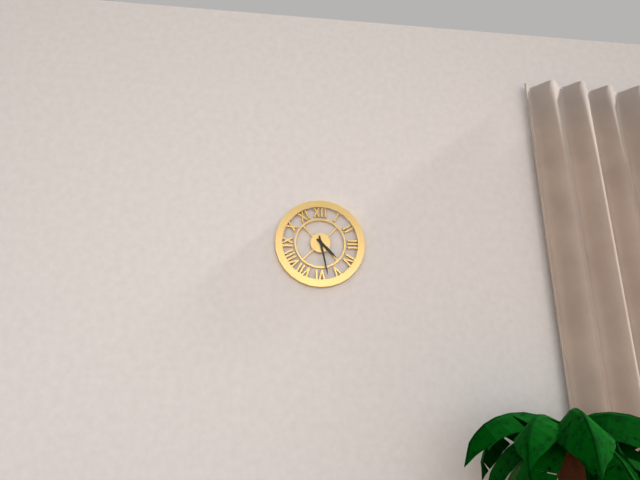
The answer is {"hour": 4, "minute": 28}
